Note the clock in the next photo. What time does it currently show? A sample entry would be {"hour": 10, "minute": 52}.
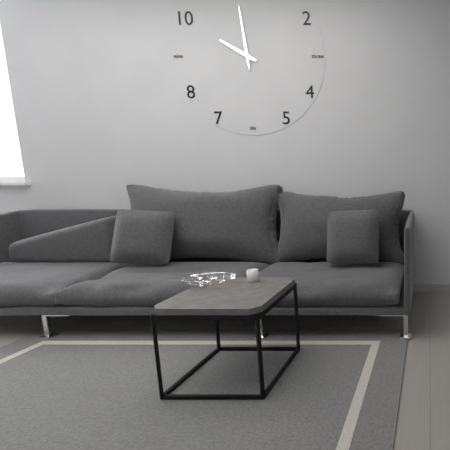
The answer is {"hour": 9, "minute": 59}
